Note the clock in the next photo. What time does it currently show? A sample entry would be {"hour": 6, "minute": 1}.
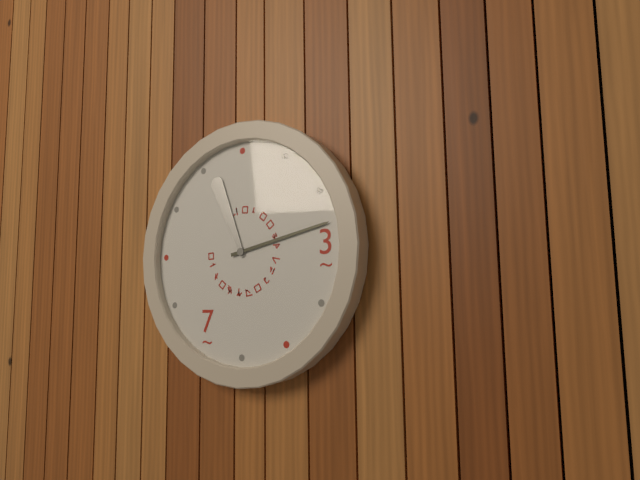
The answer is {"hour": 11, "minute": 13}
